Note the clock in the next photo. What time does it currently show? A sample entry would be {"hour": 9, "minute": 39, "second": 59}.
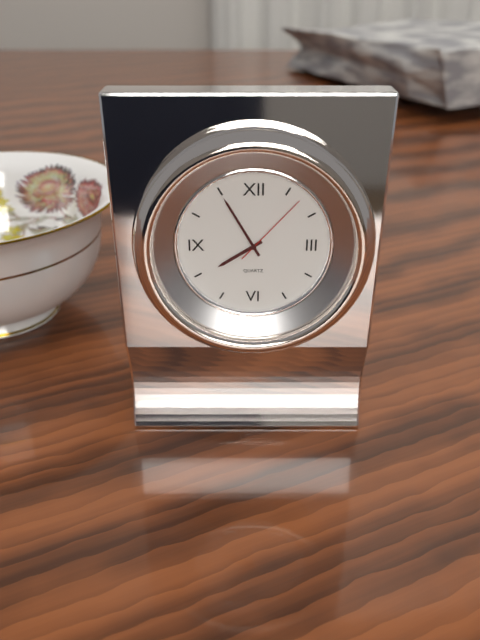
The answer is {"hour": 7, "minute": 55, "second": 7}
